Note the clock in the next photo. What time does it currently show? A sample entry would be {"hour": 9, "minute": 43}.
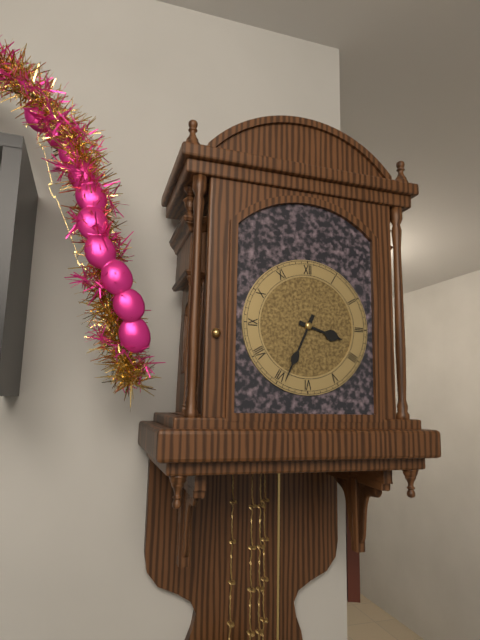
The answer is {"hour": 3, "minute": 34}
